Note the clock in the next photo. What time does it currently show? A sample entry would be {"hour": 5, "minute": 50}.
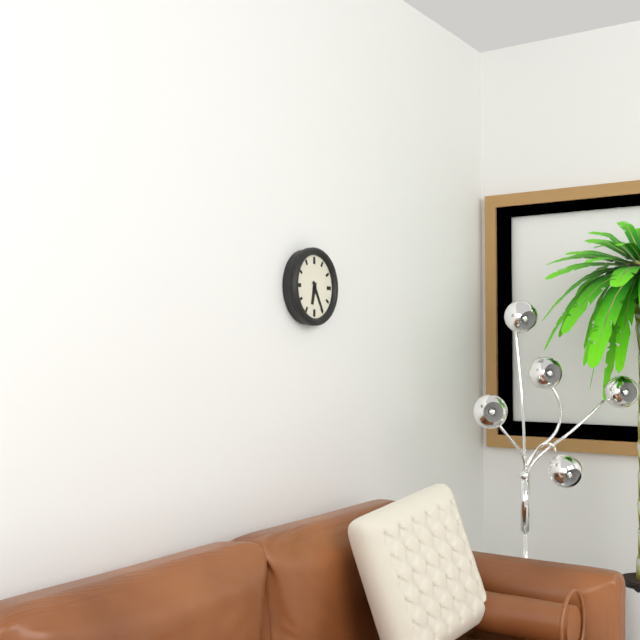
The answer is {"hour": 6, "minute": 25}
